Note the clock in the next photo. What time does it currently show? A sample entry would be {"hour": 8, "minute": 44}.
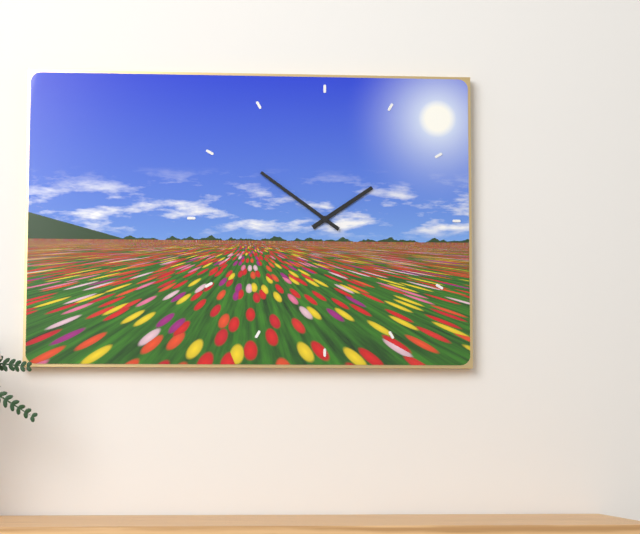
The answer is {"hour": 1, "minute": 51}
